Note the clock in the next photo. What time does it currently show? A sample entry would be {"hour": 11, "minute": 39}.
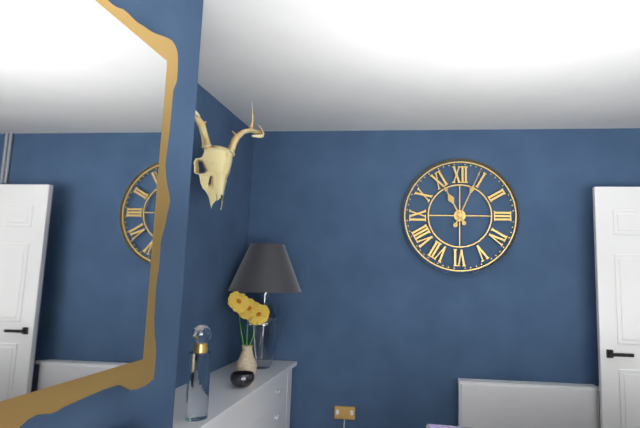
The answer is {"hour": 11, "minute": 4}
